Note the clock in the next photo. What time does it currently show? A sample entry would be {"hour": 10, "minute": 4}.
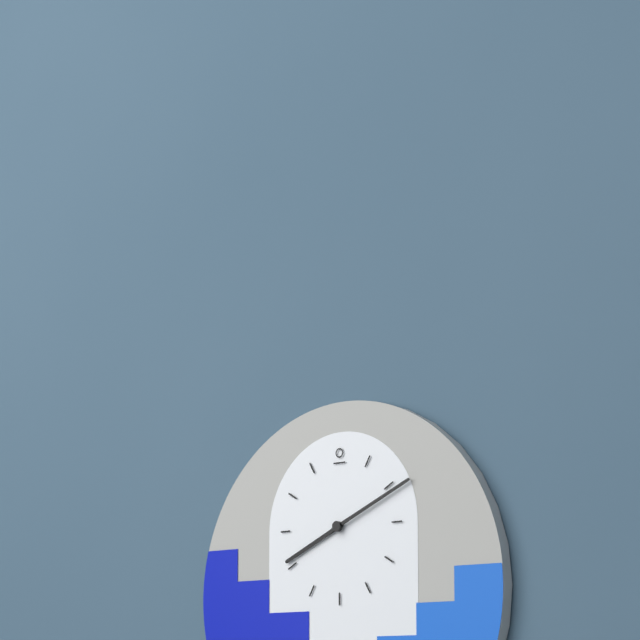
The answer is {"hour": 8, "minute": 11}
